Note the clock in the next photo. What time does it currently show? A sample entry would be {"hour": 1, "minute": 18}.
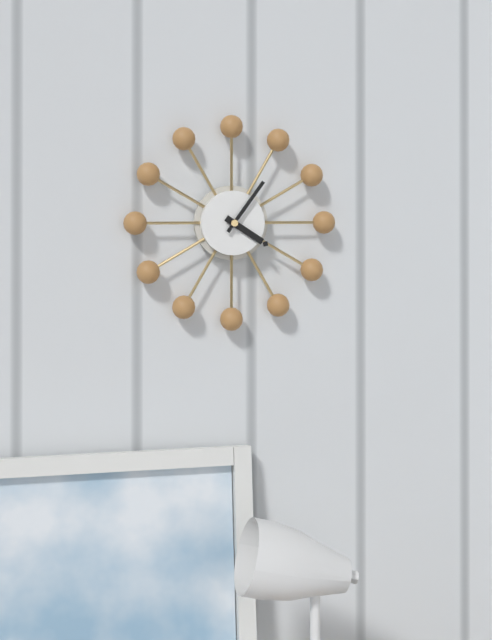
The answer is {"hour": 4, "minute": 6}
